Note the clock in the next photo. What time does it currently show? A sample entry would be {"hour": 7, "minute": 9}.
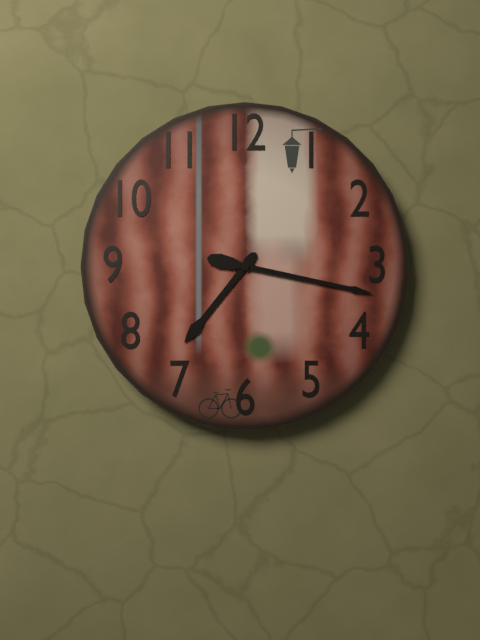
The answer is {"hour": 7, "minute": 17}
